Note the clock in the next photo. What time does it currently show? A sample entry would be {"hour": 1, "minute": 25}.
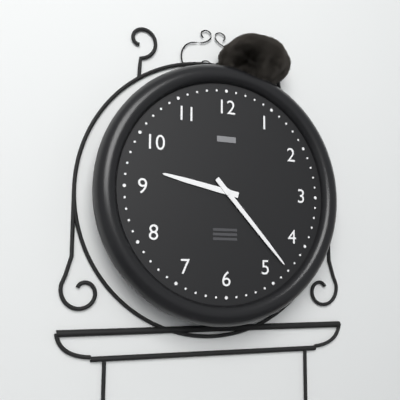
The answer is {"hour": 9, "minute": 23}
